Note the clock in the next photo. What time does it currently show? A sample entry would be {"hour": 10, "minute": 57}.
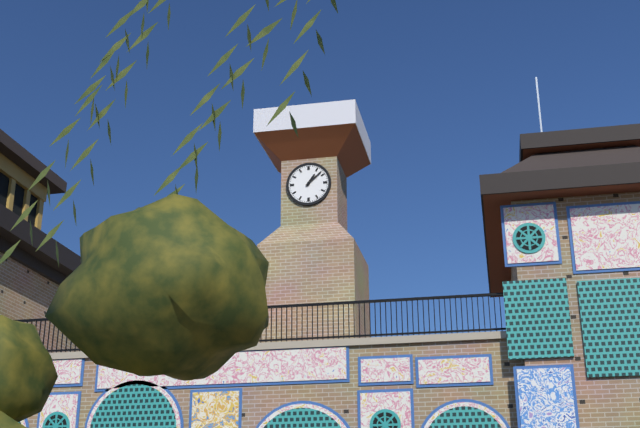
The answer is {"hour": 1, "minute": 8}
